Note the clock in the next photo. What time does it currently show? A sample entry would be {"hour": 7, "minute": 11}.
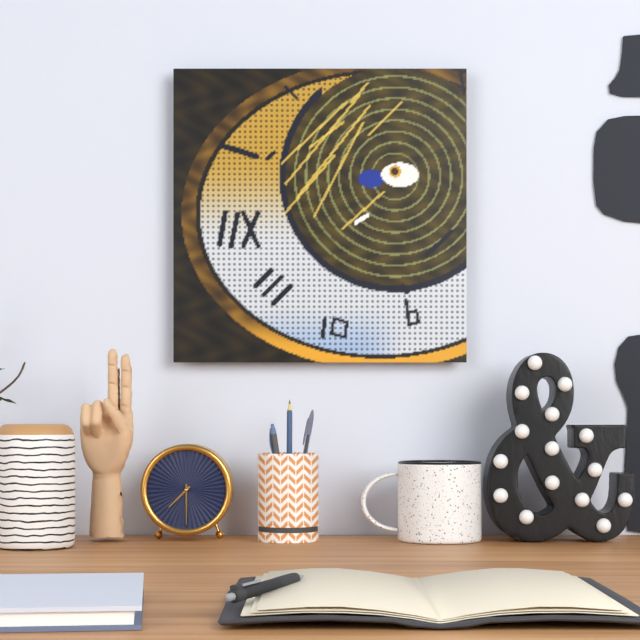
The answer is {"hour": 7, "minute": 30}
